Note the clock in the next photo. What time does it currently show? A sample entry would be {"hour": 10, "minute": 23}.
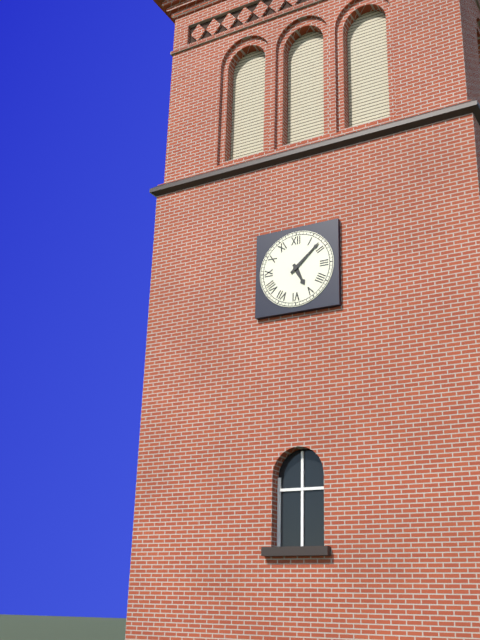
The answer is {"hour": 5, "minute": 8}
